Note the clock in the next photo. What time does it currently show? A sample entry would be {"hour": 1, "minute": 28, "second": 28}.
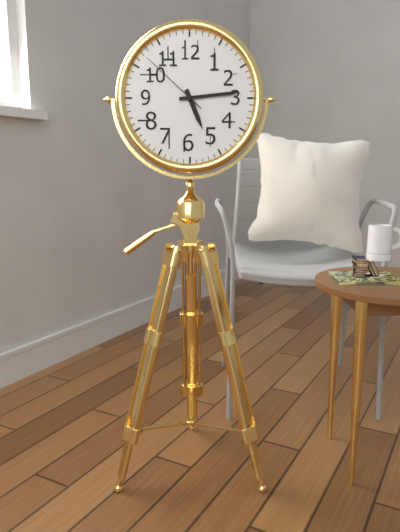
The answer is {"hour": 5, "minute": 14, "second": 52}
